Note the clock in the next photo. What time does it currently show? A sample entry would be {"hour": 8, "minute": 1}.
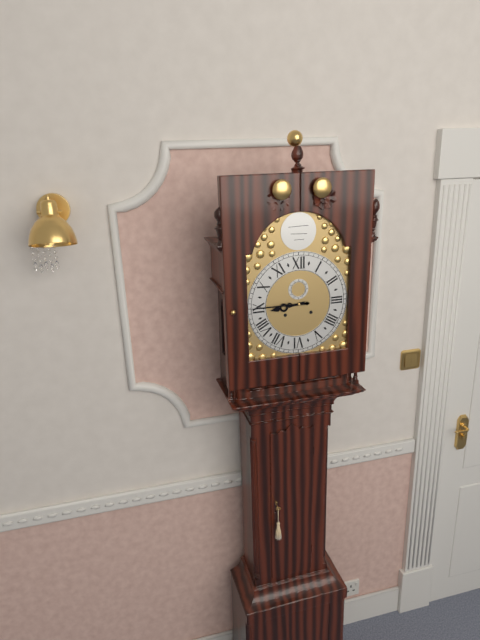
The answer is {"hour": 8, "minute": 45}
